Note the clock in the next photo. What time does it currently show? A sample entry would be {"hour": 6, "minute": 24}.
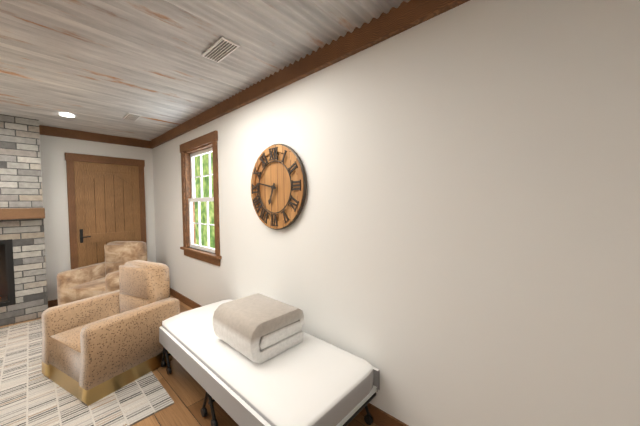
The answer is {"hour": 6, "minute": 47}
